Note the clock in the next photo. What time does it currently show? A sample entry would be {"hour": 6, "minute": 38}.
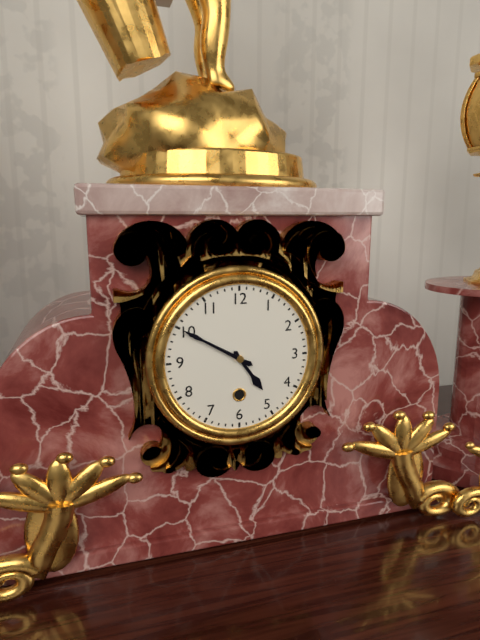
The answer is {"hour": 4, "minute": 50}
